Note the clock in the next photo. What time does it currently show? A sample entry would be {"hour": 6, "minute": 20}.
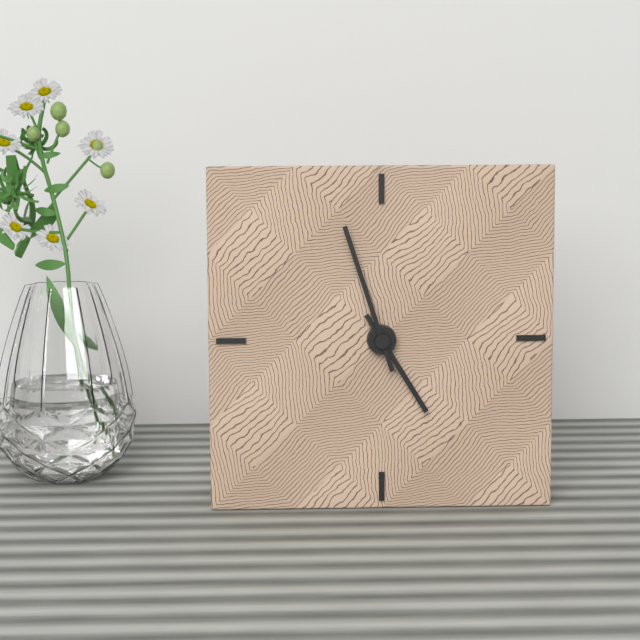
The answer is {"hour": 4, "minute": 57}
